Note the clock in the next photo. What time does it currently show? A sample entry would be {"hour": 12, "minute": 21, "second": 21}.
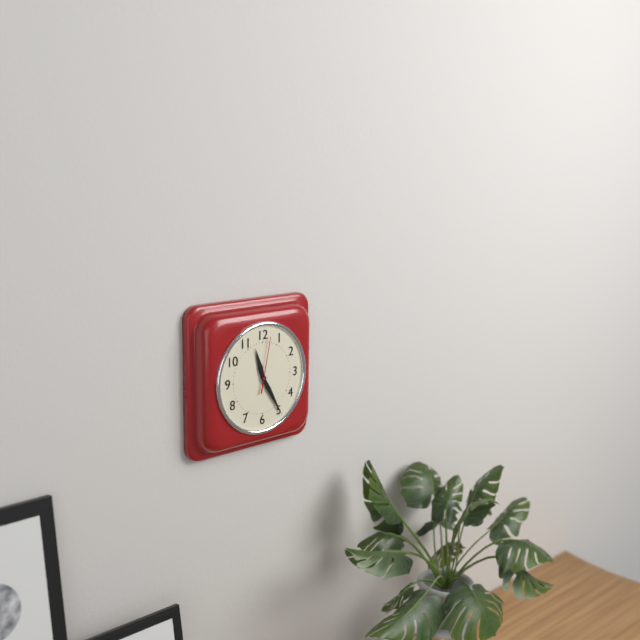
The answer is {"hour": 11, "minute": 25, "second": 2}
